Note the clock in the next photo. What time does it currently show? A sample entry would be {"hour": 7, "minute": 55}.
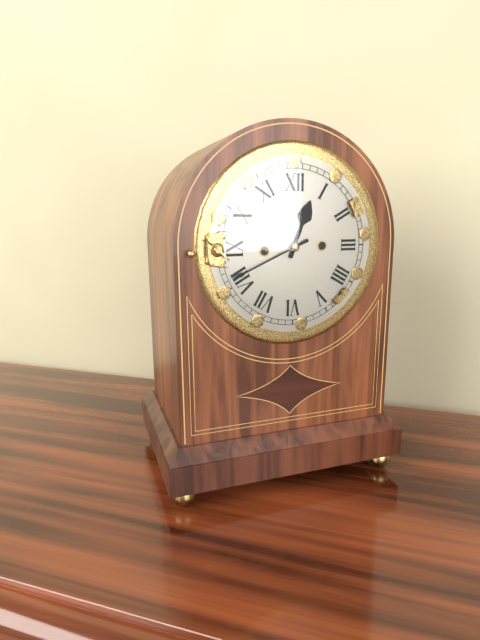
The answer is {"hour": 12, "minute": 41}
